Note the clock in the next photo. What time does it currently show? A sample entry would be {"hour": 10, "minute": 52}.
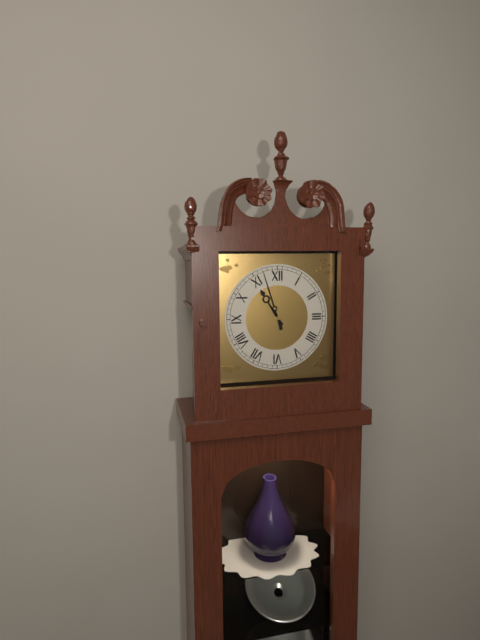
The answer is {"hour": 10, "minute": 57}
